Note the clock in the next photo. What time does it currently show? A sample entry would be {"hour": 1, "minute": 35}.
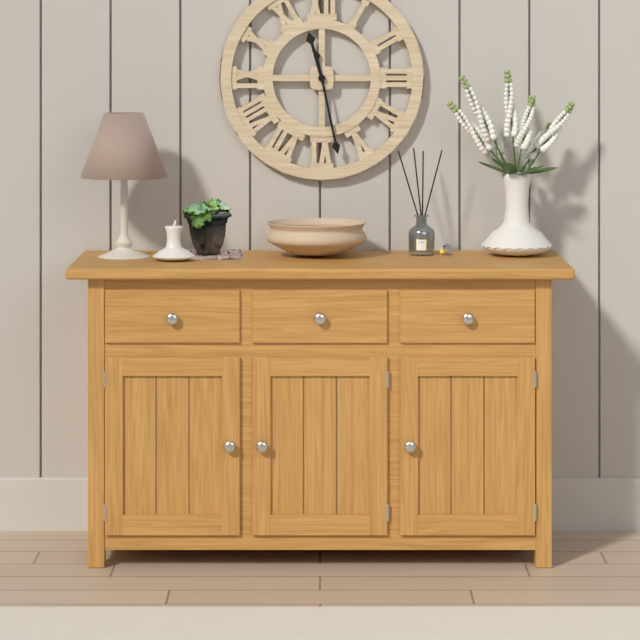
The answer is {"hour": 11, "minute": 28}
